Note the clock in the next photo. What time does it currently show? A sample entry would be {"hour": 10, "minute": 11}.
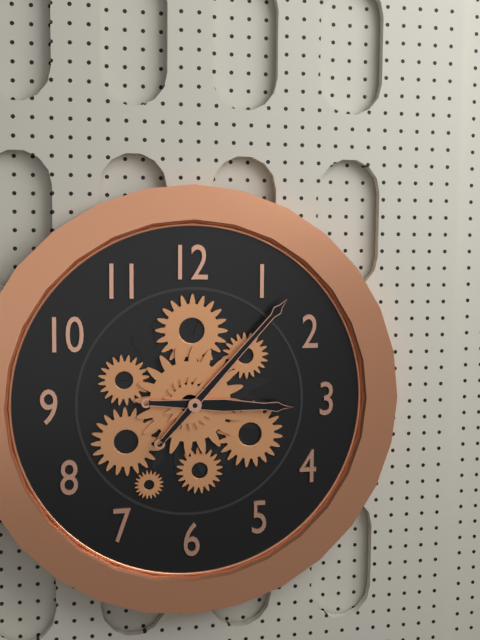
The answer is {"hour": 3, "minute": 7}
